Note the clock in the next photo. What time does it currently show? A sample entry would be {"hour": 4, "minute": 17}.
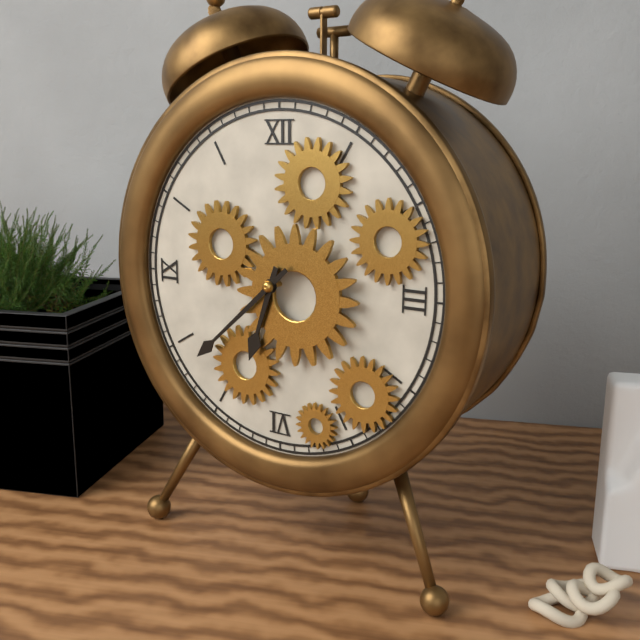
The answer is {"hour": 6, "minute": 38}
